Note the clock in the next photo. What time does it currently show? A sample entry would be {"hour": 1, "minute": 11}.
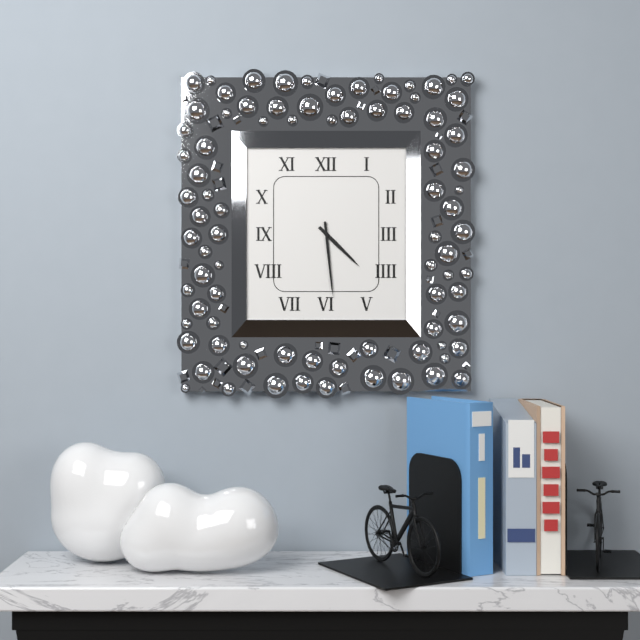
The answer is {"hour": 4, "minute": 29}
